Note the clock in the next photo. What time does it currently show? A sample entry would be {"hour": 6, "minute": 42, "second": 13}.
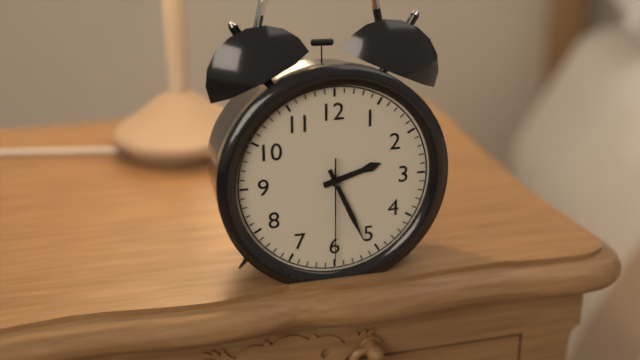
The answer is {"hour": 2, "minute": 26, "second": 30}
